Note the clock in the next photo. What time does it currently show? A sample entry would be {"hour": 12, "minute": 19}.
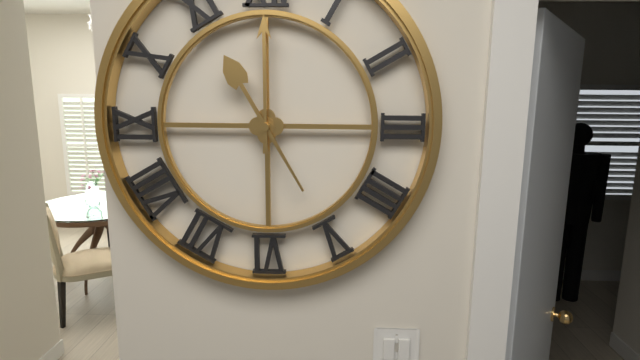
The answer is {"hour": 11, "minute": 0}
